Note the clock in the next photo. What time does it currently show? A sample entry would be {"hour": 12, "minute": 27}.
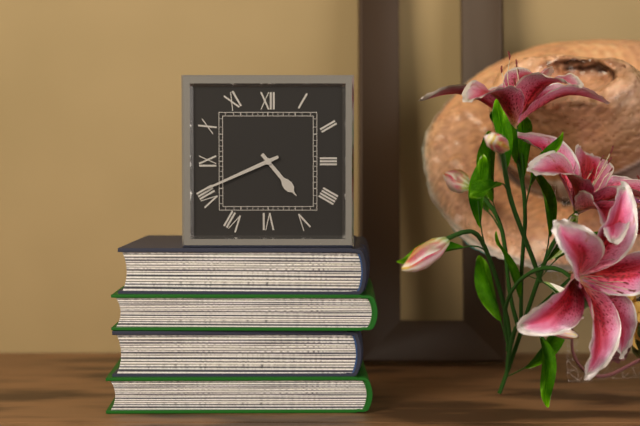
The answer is {"hour": 4, "minute": 41}
